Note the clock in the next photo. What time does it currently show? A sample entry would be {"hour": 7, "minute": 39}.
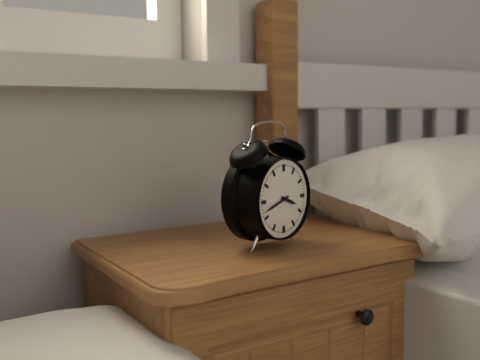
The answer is {"hour": 3, "minute": 42}
